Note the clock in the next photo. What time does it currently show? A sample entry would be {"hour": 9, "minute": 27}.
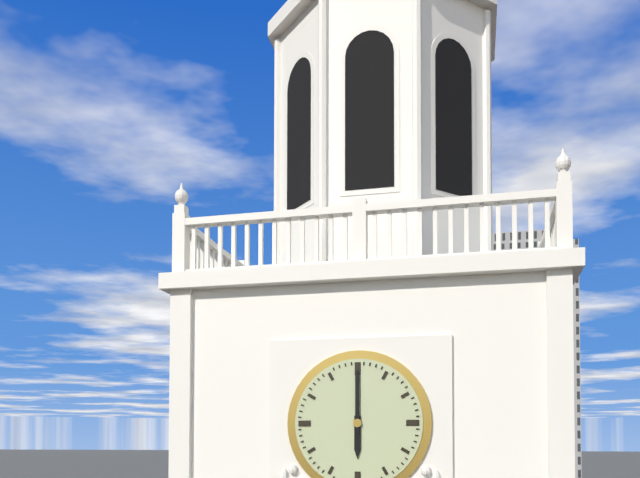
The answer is {"hour": 6, "minute": 0}
